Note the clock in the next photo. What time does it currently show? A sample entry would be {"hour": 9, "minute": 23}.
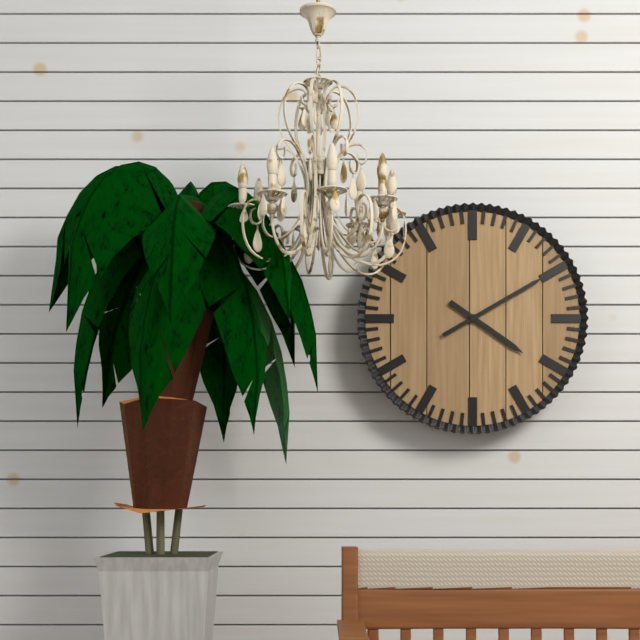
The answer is {"hour": 4, "minute": 10}
